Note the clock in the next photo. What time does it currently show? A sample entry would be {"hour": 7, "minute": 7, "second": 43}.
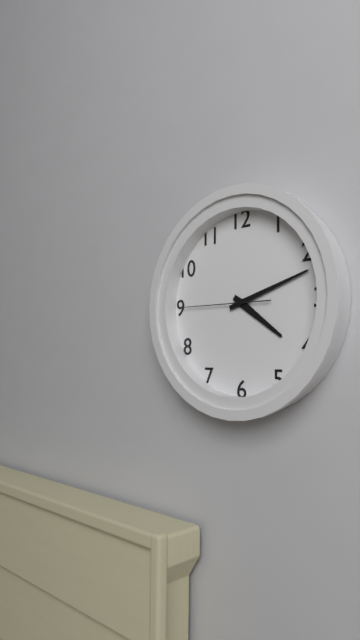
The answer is {"hour": 4, "minute": 12, "second": 45}
